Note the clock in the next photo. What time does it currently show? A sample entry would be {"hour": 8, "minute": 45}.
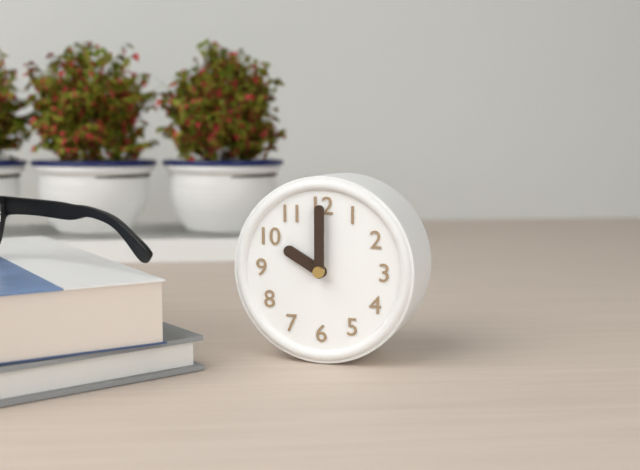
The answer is {"hour": 10, "minute": 0}
